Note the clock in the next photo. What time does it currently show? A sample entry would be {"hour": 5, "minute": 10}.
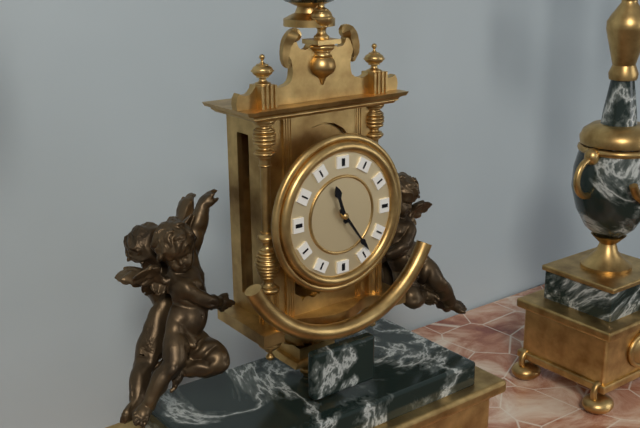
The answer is {"hour": 11, "minute": 24}
